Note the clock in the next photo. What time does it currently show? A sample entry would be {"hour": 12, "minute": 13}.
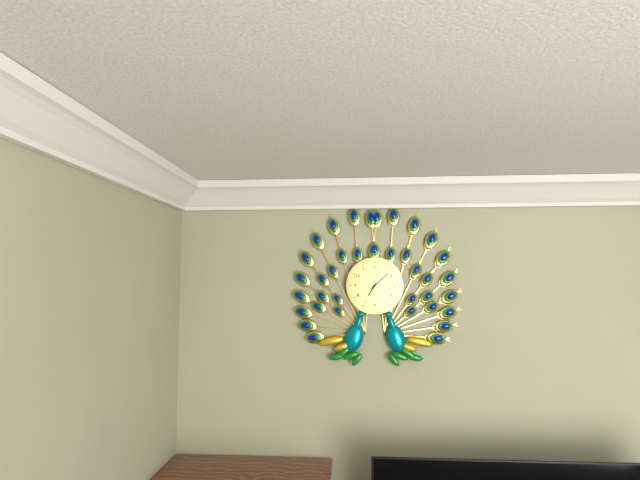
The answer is {"hour": 7, "minute": 8}
